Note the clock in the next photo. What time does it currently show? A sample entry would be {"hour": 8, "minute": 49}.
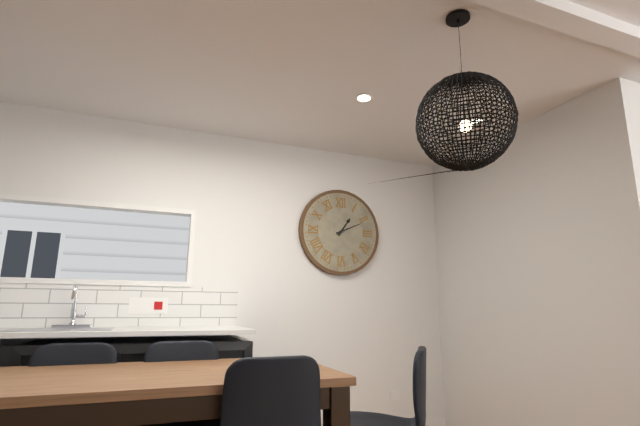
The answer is {"hour": 1, "minute": 11}
